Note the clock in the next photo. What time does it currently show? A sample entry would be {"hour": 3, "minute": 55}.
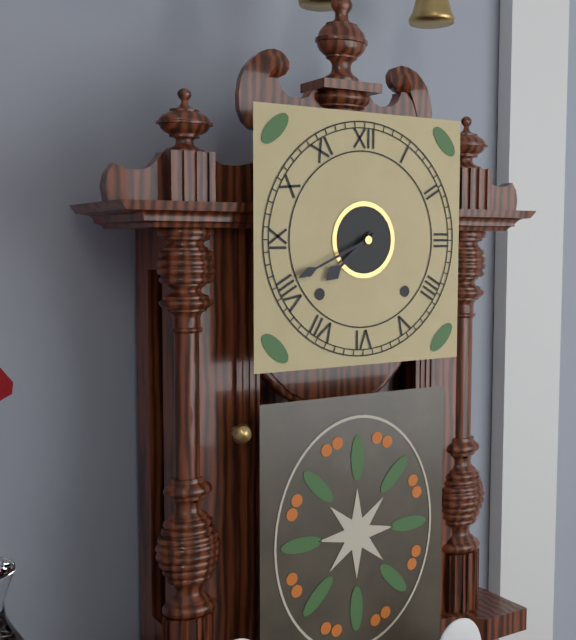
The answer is {"hour": 7, "minute": 41}
